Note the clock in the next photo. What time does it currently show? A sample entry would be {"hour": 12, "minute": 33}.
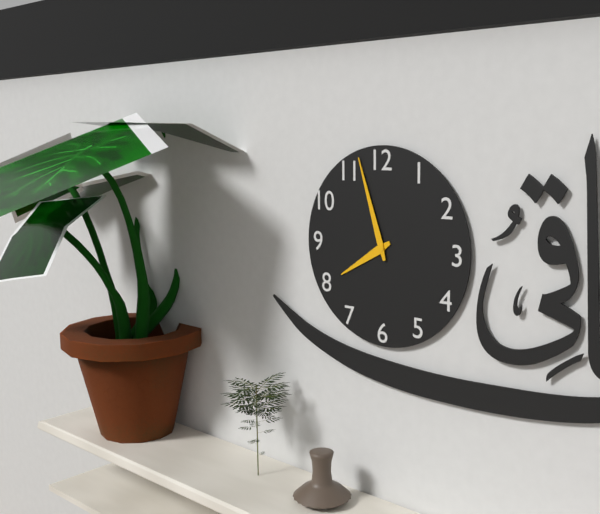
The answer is {"hour": 7, "minute": 57}
